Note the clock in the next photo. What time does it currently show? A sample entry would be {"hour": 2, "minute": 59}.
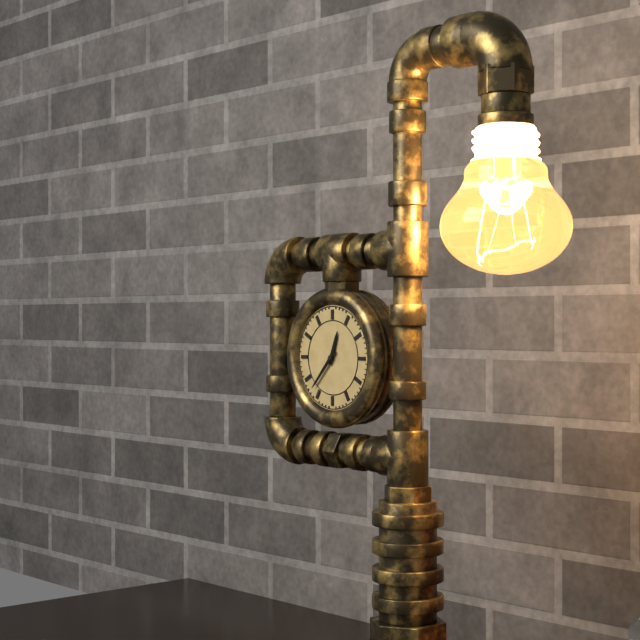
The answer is {"hour": 12, "minute": 37}
